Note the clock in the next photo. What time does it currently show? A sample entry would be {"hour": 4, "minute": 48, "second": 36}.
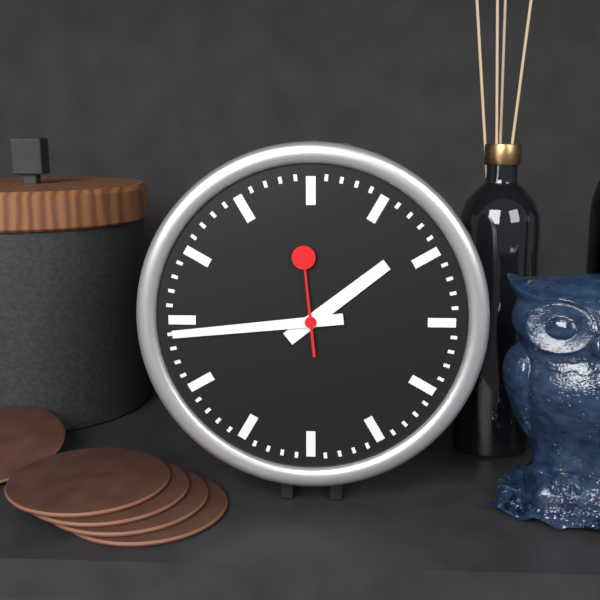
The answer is {"hour": 1, "minute": 44, "second": 59}
